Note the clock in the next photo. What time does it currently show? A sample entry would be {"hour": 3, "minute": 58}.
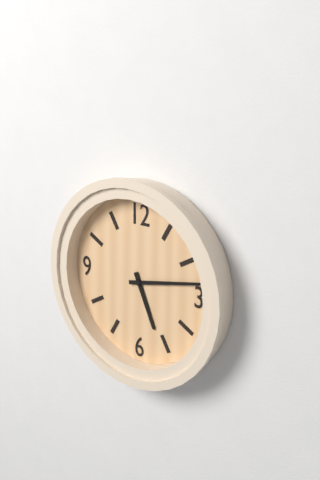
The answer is {"hour": 5, "minute": 13}
